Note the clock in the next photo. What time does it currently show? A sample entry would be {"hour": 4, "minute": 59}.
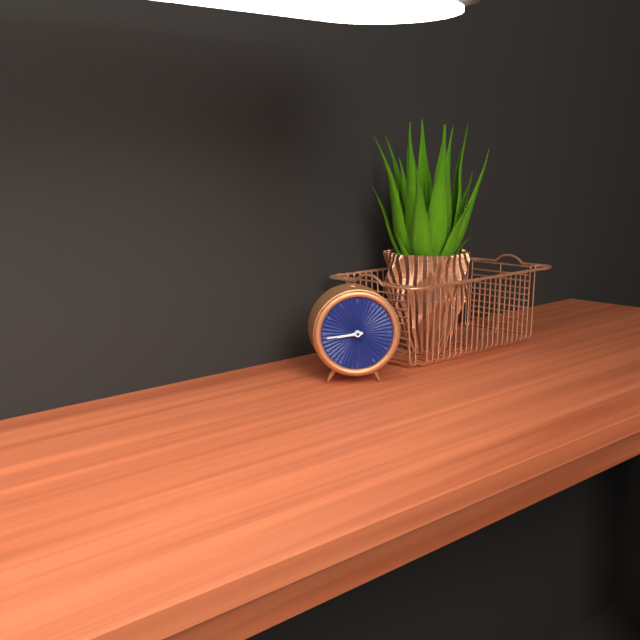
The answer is {"hour": 8, "minute": 44}
